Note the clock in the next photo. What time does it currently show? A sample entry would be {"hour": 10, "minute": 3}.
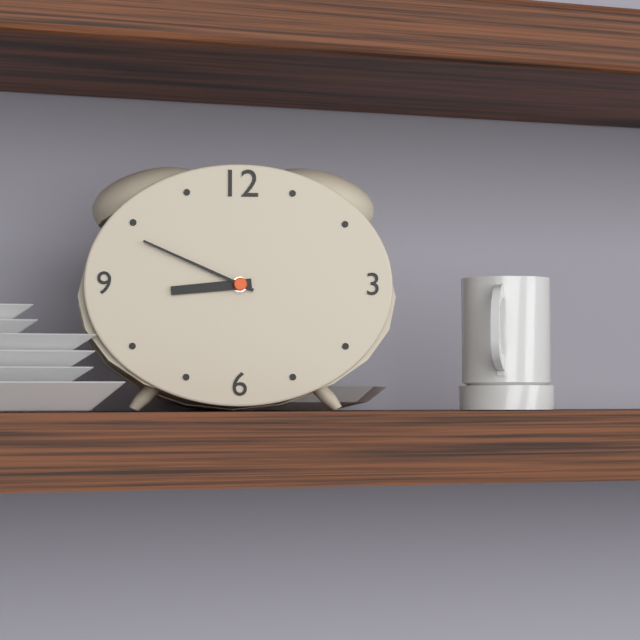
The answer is {"hour": 8, "minute": 49}
